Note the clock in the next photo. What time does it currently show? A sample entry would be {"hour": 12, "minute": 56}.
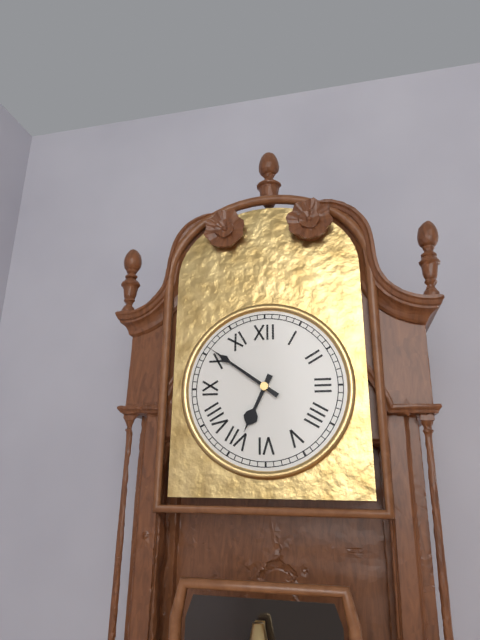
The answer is {"hour": 6, "minute": 51}
